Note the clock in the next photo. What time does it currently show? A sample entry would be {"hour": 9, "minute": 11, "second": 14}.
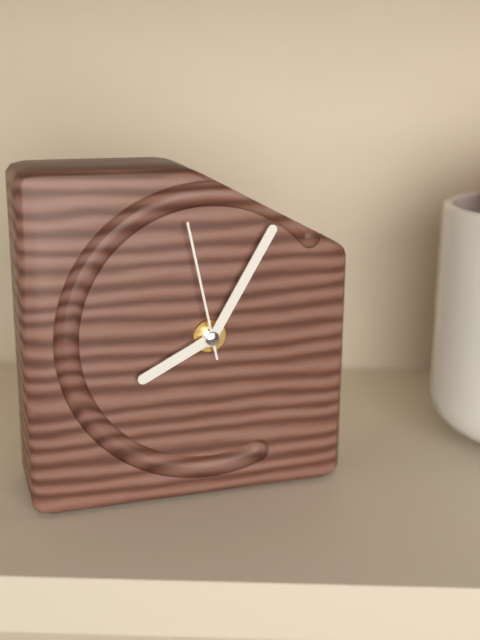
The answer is {"hour": 8, "minute": 5, "second": 58}
